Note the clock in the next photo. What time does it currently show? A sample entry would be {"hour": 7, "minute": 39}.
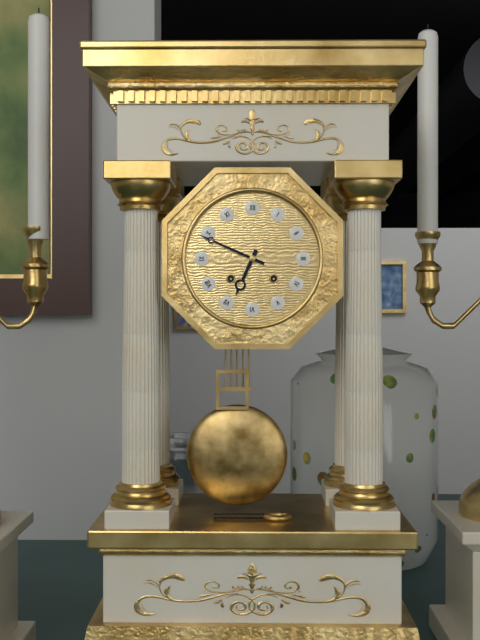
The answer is {"hour": 6, "minute": 49}
